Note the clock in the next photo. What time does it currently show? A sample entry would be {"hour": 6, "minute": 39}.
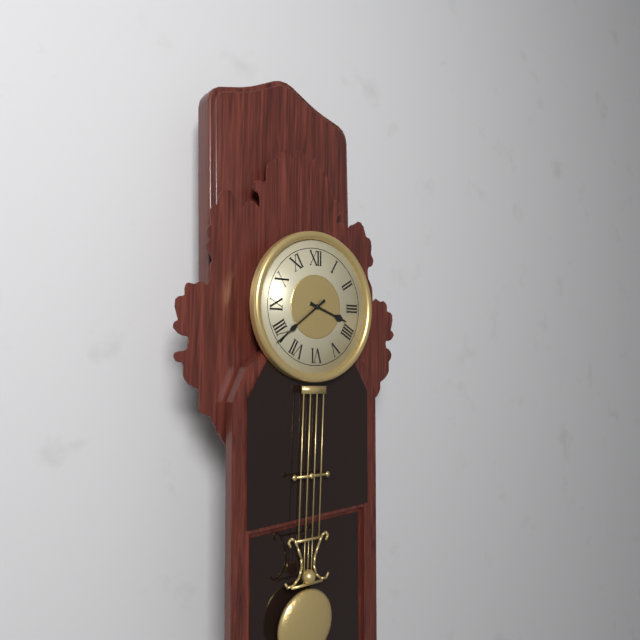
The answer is {"hour": 3, "minute": 39}
